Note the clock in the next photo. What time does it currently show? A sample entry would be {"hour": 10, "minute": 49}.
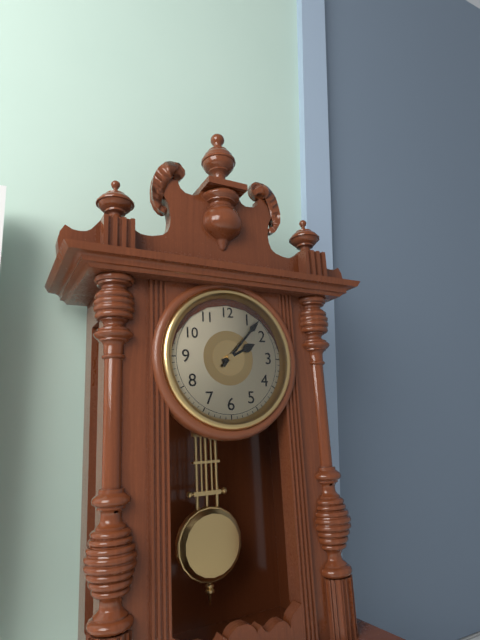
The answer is {"hour": 2, "minute": 7}
